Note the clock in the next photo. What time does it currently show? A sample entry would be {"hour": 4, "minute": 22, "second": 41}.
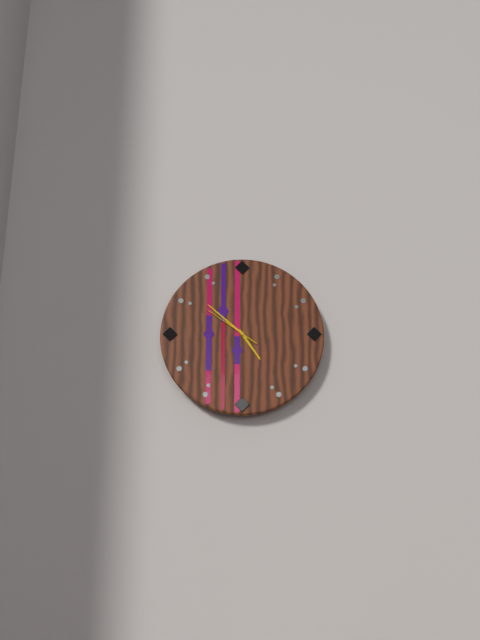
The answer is {"hour": 4, "minute": 52, "second": 51}
